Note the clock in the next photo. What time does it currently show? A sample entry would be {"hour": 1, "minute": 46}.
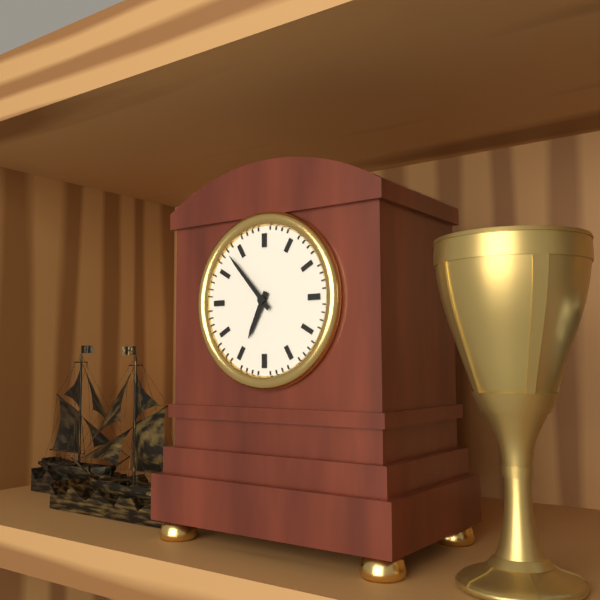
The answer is {"hour": 6, "minute": 53}
